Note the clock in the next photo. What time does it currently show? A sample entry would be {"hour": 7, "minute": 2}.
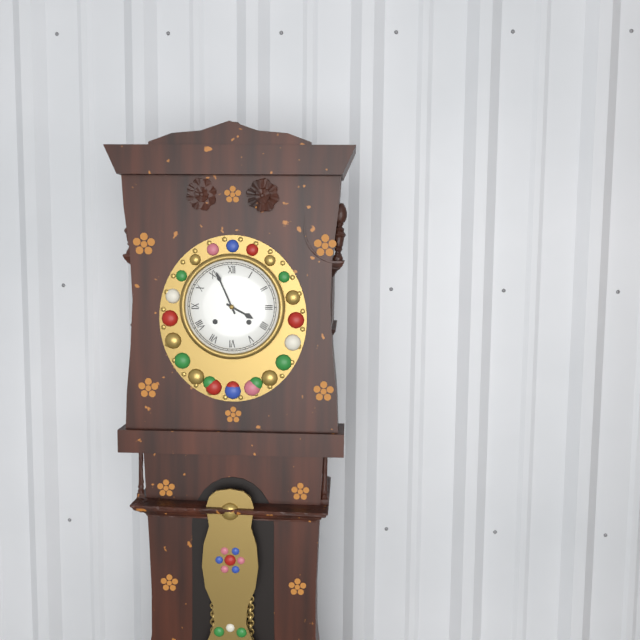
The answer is {"hour": 3, "minute": 56}
